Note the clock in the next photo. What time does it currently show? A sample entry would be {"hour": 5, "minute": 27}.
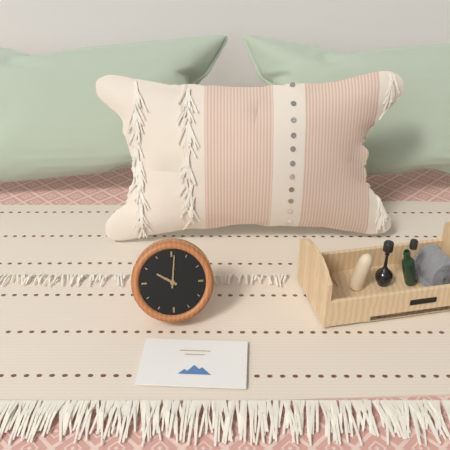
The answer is {"hour": 10, "minute": 1}
